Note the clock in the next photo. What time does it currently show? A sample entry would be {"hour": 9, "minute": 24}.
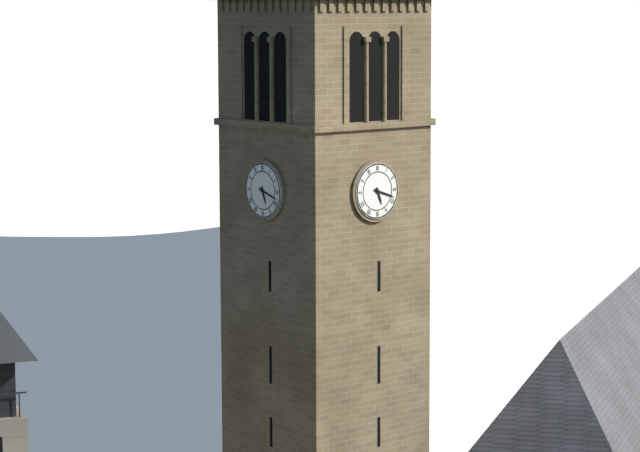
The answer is {"hour": 5, "minute": 18}
